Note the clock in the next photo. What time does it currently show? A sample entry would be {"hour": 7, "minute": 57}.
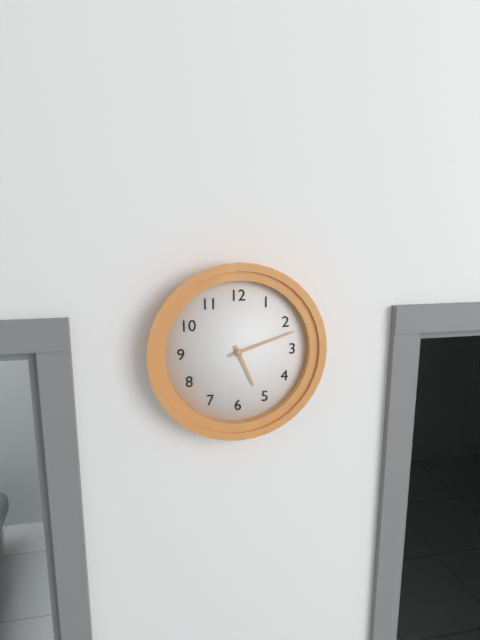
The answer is {"hour": 5, "minute": 12}
